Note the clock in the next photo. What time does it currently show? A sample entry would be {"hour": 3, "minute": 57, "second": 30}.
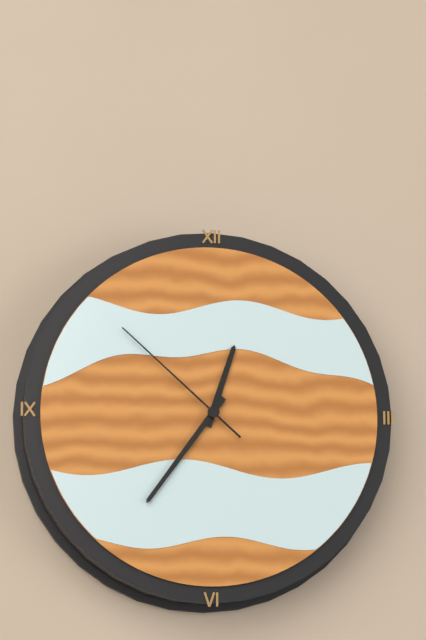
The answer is {"hour": 12, "minute": 36, "second": 52}
